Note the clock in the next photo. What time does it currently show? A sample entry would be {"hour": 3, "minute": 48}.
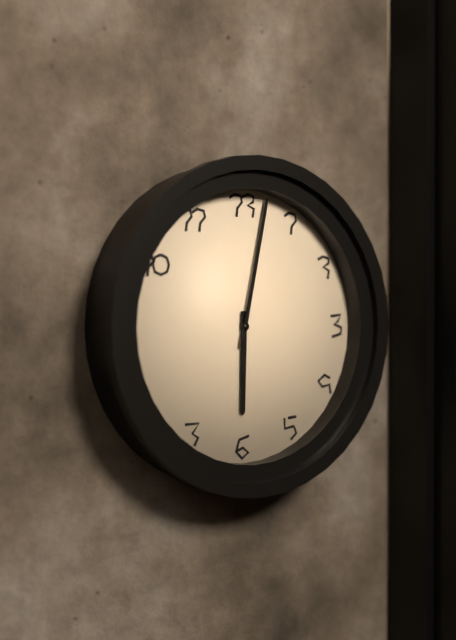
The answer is {"hour": 6, "minute": 2}
